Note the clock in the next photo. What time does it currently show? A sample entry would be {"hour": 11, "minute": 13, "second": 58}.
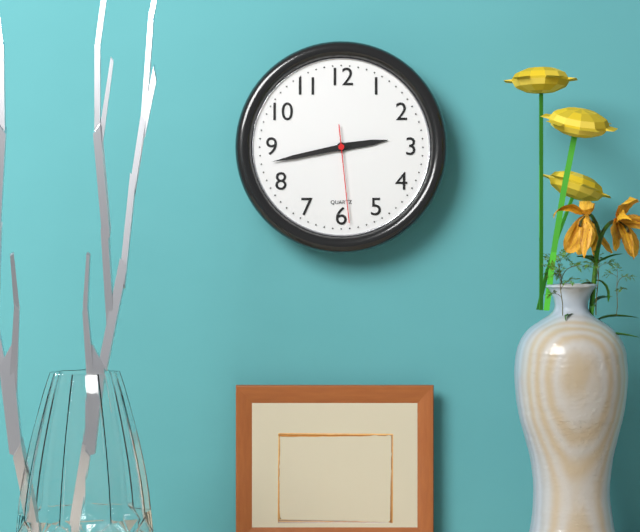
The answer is {"hour": 2, "minute": 43, "second": 29}
